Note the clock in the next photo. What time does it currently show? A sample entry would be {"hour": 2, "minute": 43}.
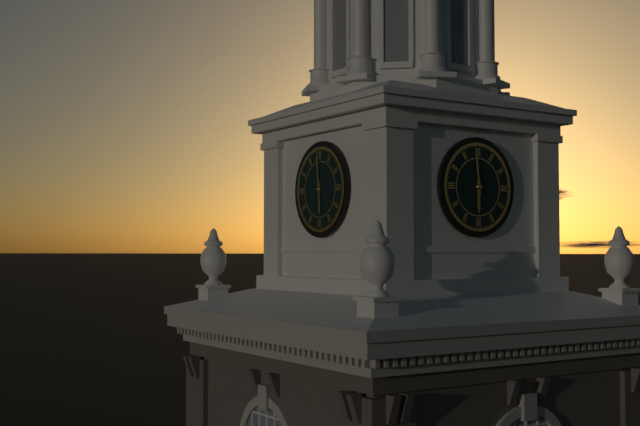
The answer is {"hour": 5, "minute": 59}
